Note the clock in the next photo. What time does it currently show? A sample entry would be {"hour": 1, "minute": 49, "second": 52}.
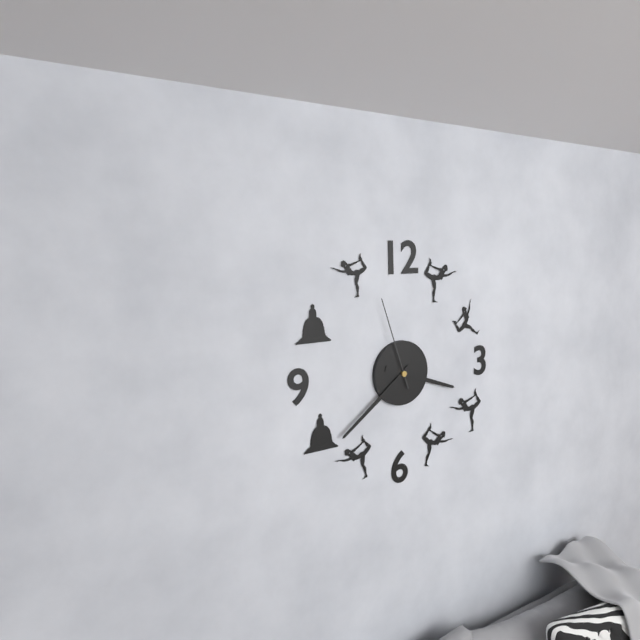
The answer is {"hour": 3, "minute": 39, "second": 57}
